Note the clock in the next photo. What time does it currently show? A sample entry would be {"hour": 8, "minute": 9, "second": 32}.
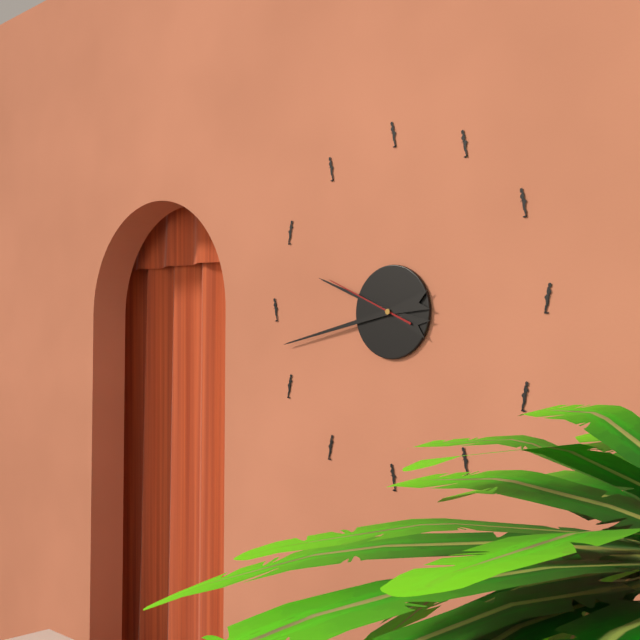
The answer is {"hour": 9, "minute": 43, "second": 49}
